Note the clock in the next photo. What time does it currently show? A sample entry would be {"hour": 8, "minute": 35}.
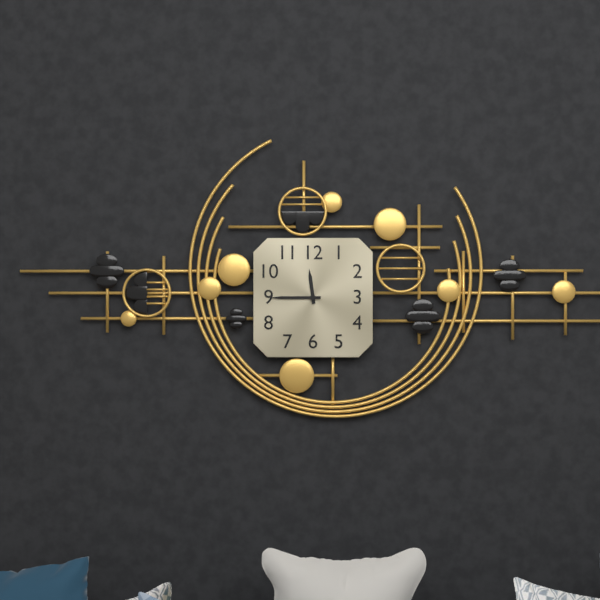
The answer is {"hour": 11, "minute": 45}
